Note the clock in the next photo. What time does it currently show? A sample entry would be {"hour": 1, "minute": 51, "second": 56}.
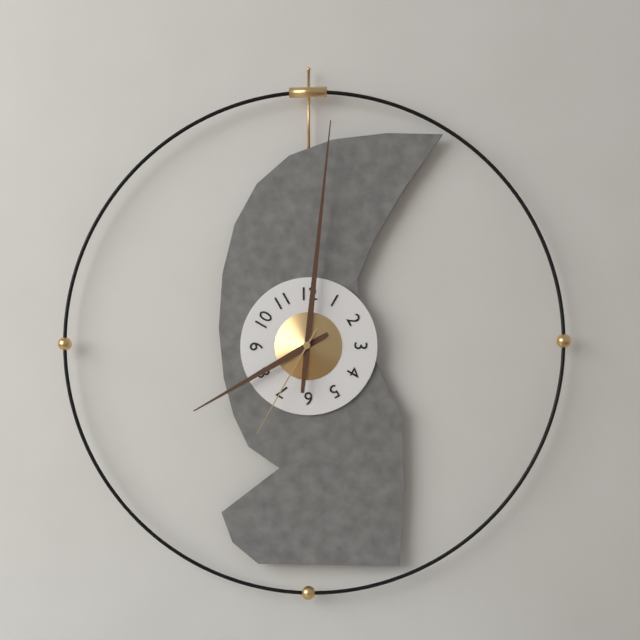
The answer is {"hour": 8, "minute": 1, "second": 35}
